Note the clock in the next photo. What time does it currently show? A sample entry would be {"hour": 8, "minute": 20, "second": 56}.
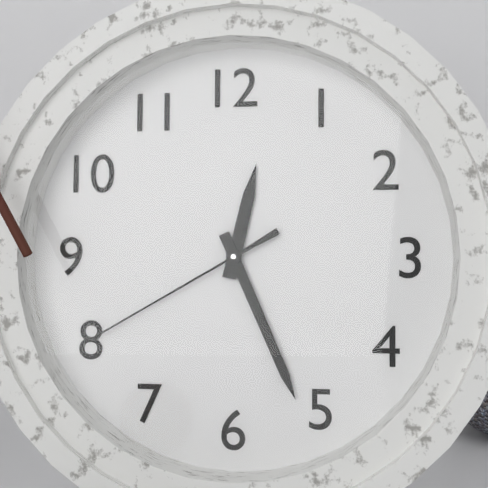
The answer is {"hour": 12, "minute": 26, "second": 40}
